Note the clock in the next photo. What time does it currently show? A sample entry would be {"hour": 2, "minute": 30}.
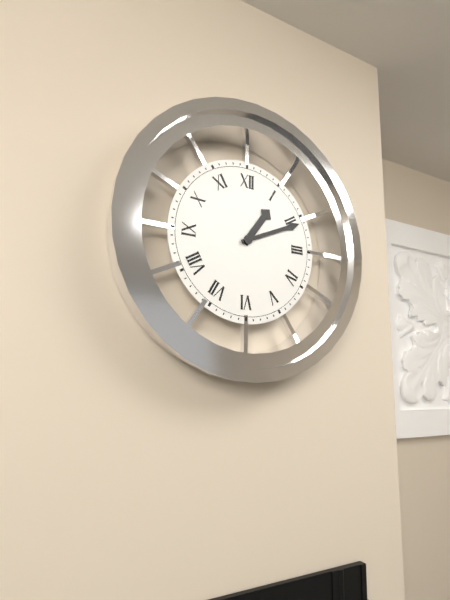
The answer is {"hour": 1, "minute": 11}
